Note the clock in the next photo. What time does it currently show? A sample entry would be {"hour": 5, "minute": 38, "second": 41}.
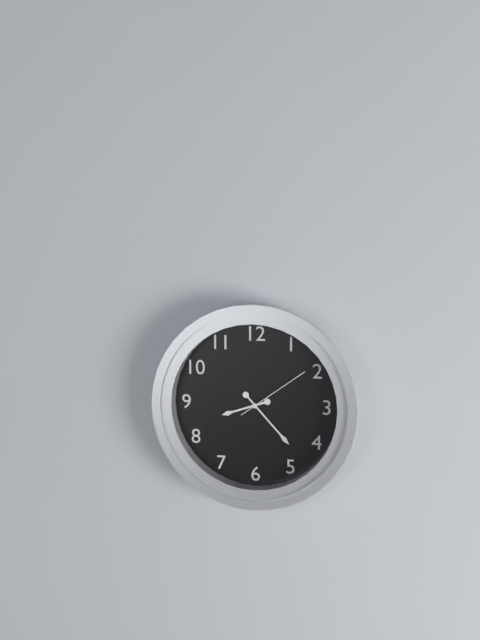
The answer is {"hour": 8, "minute": 23, "second": 9}
